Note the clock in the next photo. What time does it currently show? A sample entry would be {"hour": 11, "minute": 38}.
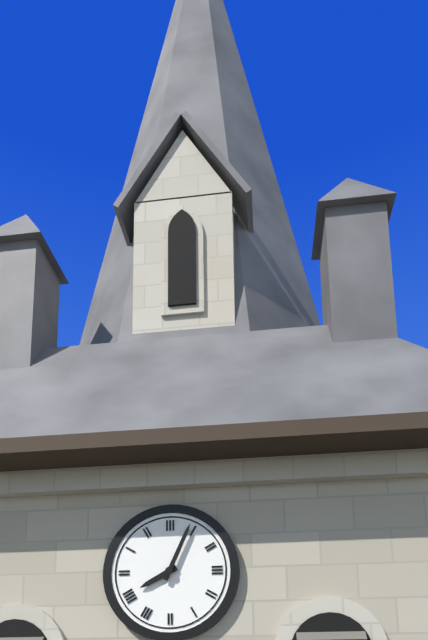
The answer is {"hour": 8, "minute": 4}
